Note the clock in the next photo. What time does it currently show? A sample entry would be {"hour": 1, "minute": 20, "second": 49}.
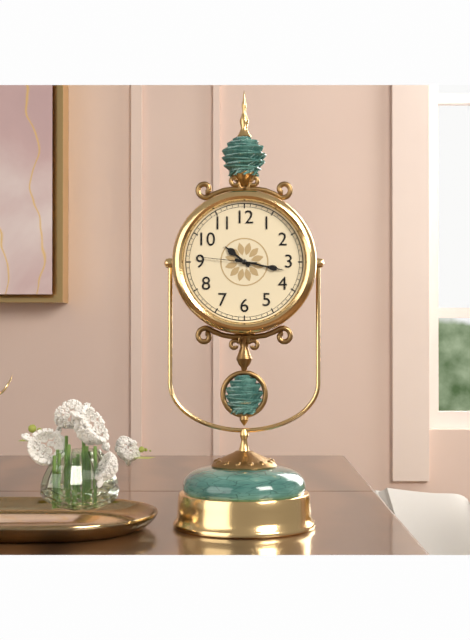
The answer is {"hour": 10, "minute": 17, "second": 46}
